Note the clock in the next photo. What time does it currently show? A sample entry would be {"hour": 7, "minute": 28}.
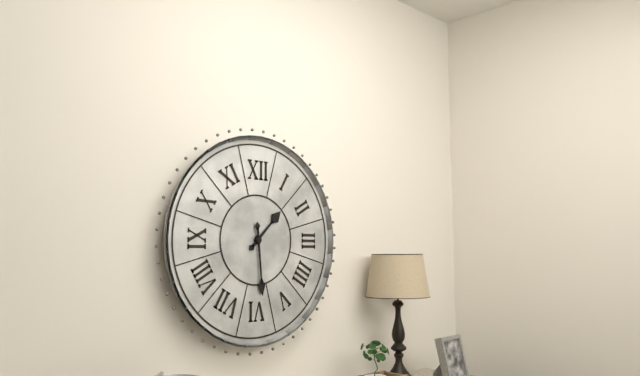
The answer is {"hour": 1, "minute": 29}
